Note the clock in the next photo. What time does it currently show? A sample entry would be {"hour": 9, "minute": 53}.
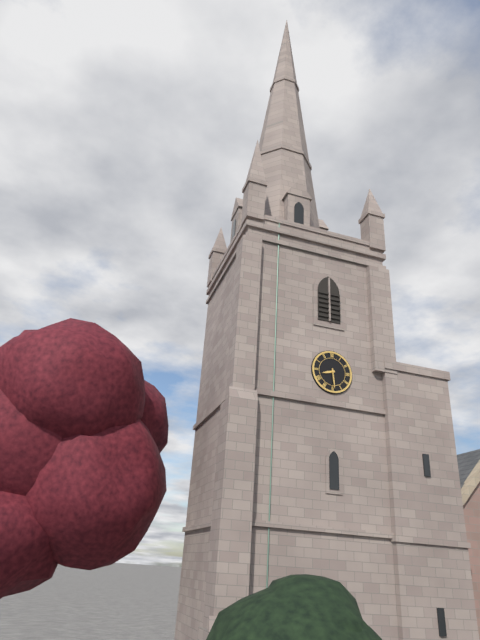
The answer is {"hour": 8, "minute": 29}
